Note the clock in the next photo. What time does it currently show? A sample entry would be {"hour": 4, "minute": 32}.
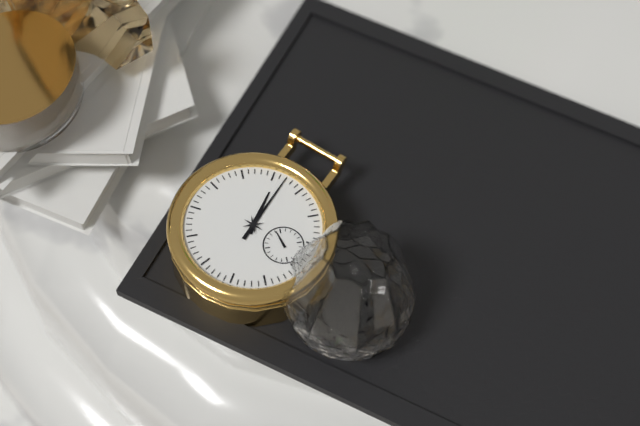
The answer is {"hour": 1, "minute": 7}
